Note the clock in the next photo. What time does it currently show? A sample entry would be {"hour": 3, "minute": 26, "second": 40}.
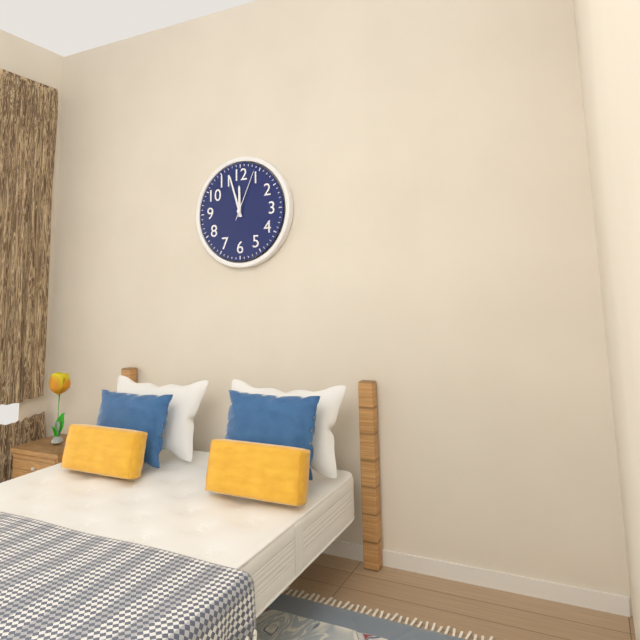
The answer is {"hour": 11, "minute": 57, "second": 4}
